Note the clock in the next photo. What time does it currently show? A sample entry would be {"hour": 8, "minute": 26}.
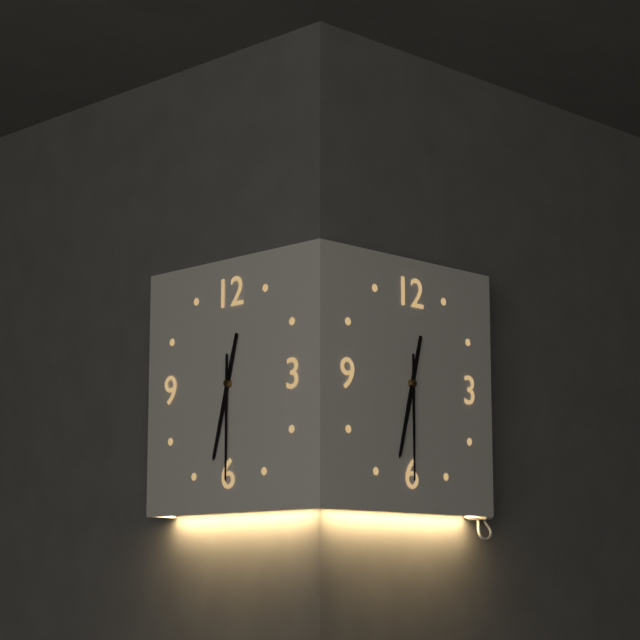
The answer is {"hour": 6, "minute": 30}
